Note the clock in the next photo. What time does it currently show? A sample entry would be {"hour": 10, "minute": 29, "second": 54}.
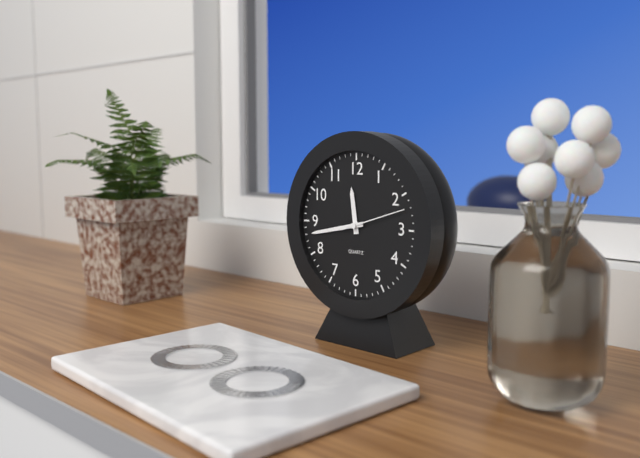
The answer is {"hour": 11, "minute": 43, "second": 12}
